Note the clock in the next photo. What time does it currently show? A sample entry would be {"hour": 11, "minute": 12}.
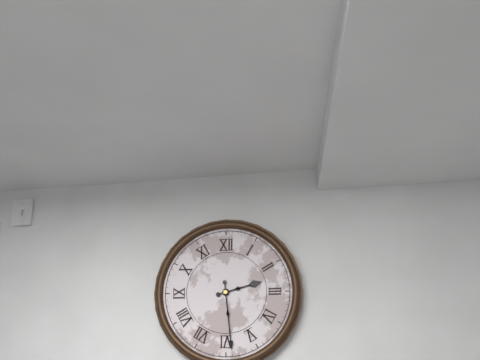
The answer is {"hour": 2, "minute": 29}
